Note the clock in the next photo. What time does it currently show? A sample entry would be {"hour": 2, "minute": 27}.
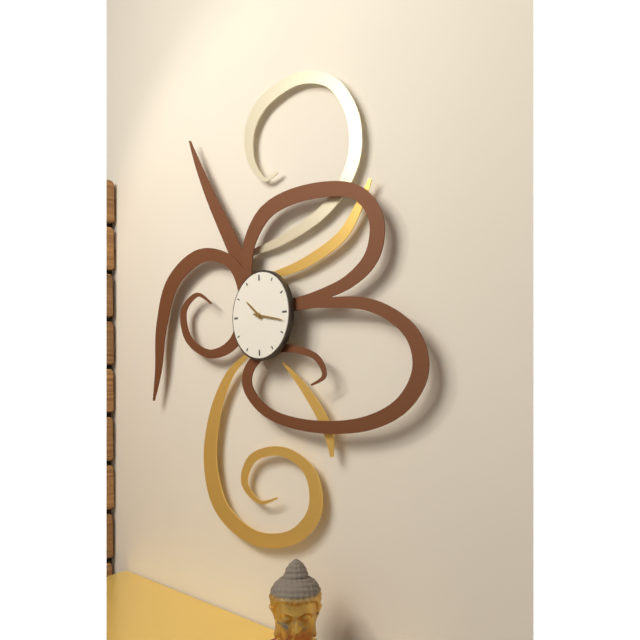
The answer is {"hour": 10, "minute": 17}
